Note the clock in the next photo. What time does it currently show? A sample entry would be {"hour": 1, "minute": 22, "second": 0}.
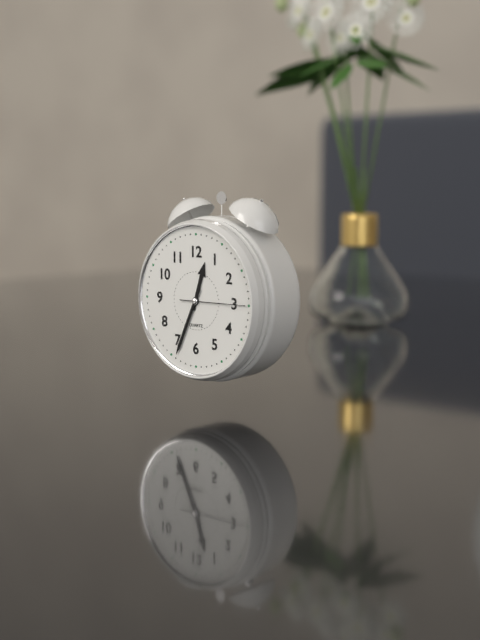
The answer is {"hour": 12, "minute": 34, "second": 15}
